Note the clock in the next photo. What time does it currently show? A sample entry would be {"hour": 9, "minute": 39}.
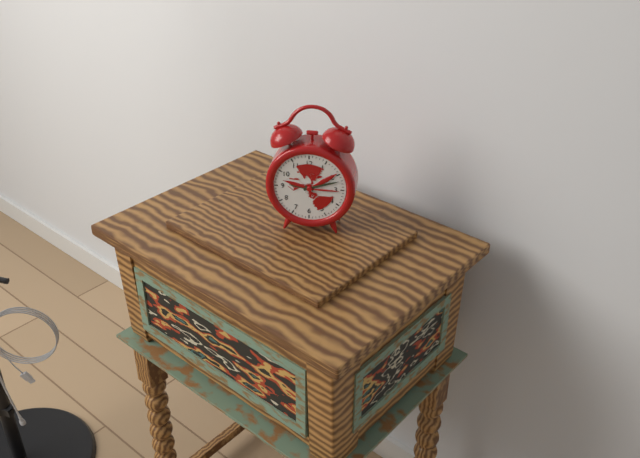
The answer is {"hour": 9, "minute": 12}
